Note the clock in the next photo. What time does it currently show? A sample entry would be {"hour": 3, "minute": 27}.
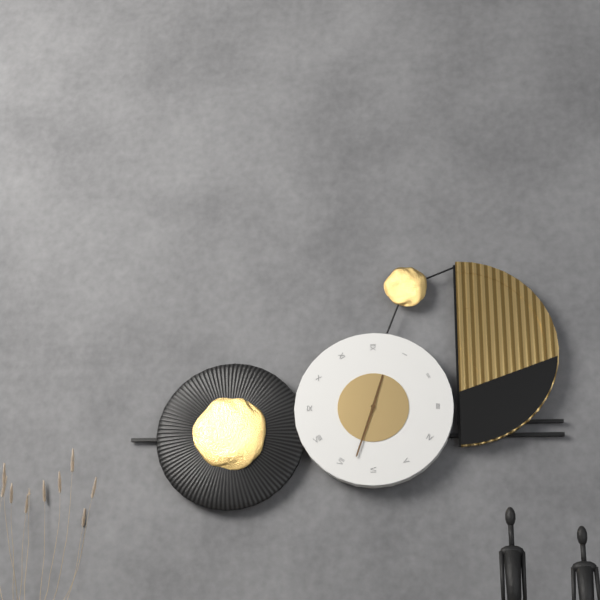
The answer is {"hour": 12, "minute": 33}
